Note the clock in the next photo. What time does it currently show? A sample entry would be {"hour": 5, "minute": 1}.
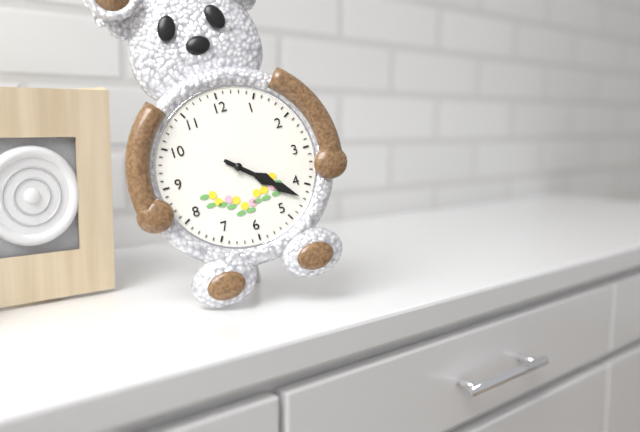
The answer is {"hour": 4, "minute": 22}
